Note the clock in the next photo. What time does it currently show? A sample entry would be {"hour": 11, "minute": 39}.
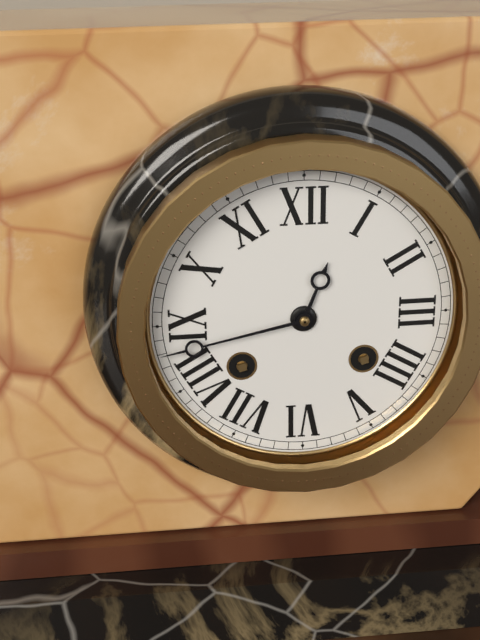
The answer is {"hour": 12, "minute": 43}
